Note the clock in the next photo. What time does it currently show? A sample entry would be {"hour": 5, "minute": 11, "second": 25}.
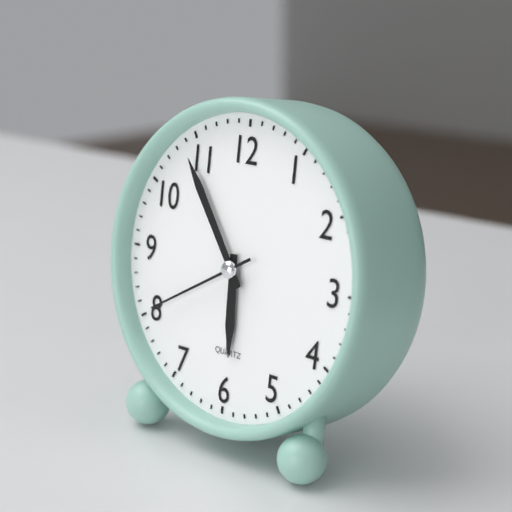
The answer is {"hour": 5, "minute": 54, "second": 40}
